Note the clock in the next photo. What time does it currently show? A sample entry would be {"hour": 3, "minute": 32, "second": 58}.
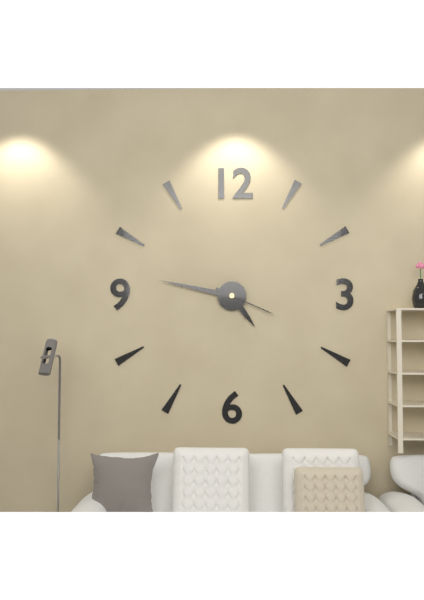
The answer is {"hour": 4, "minute": 47, "second": 19}
